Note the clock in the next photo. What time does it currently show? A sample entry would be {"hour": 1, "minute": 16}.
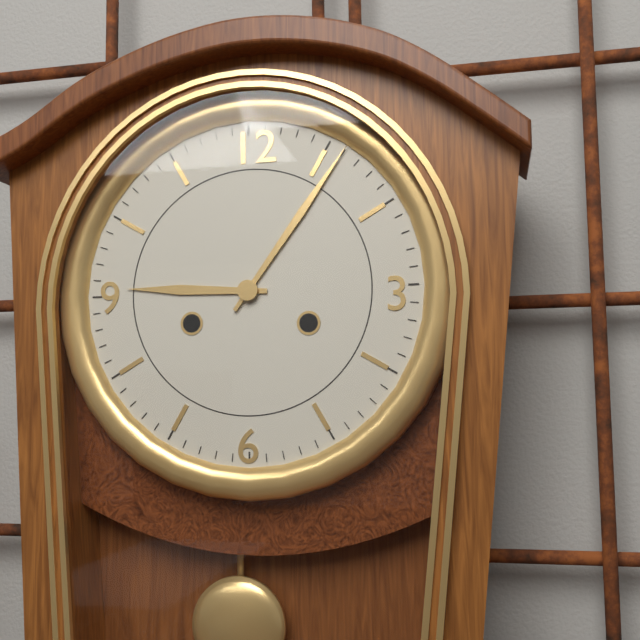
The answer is {"hour": 9, "minute": 6}
